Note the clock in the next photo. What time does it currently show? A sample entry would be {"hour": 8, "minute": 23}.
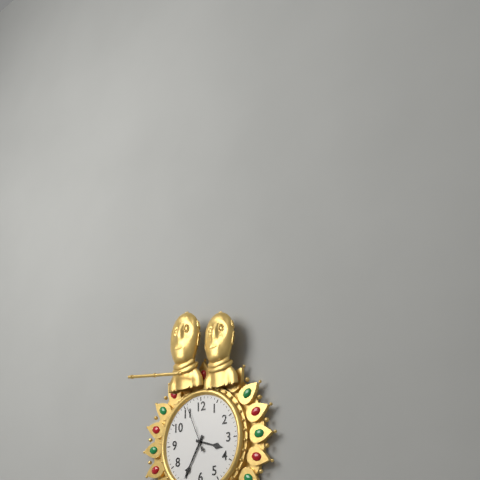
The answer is {"hour": 3, "minute": 35}
